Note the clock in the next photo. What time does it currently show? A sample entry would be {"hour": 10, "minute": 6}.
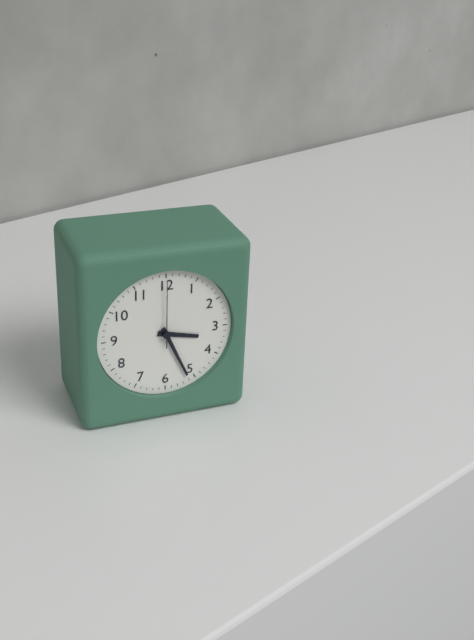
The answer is {"hour": 3, "minute": 26}
